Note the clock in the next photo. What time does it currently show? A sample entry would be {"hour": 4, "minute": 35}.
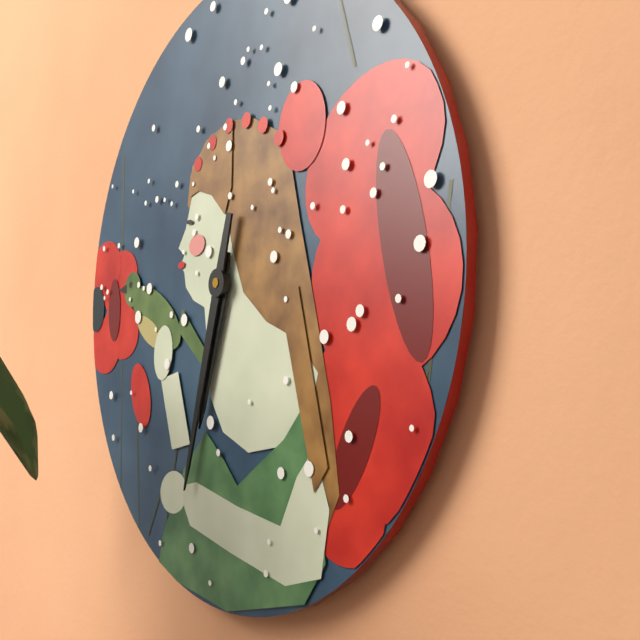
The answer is {"hour": 6, "minute": 33}
